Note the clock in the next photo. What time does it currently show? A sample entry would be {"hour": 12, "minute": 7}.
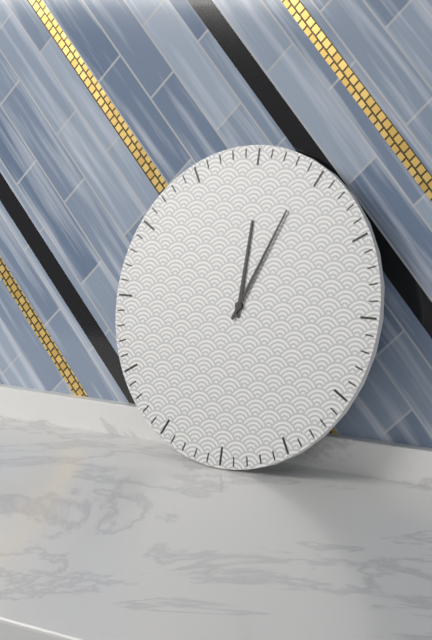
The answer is {"hour": 12, "minute": 4}
